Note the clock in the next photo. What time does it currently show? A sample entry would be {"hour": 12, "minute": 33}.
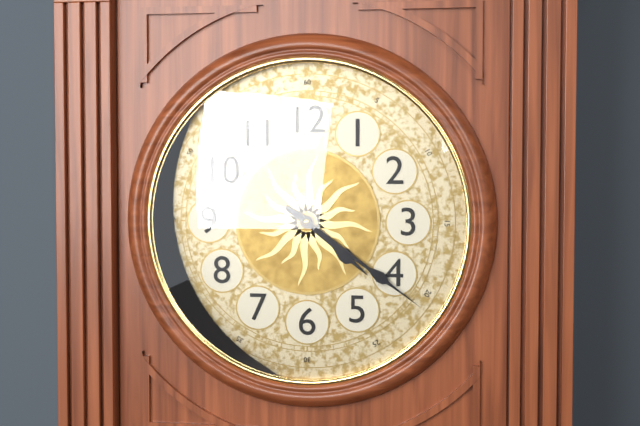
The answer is {"hour": 4, "minute": 21}
